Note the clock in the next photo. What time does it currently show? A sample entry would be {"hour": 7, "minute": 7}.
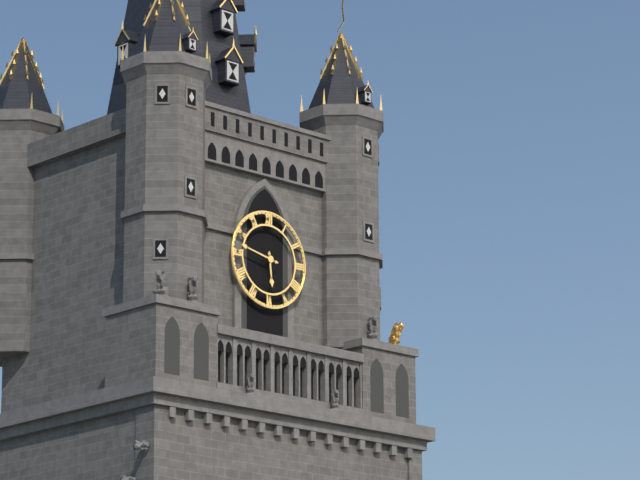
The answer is {"hour": 5, "minute": 47}
